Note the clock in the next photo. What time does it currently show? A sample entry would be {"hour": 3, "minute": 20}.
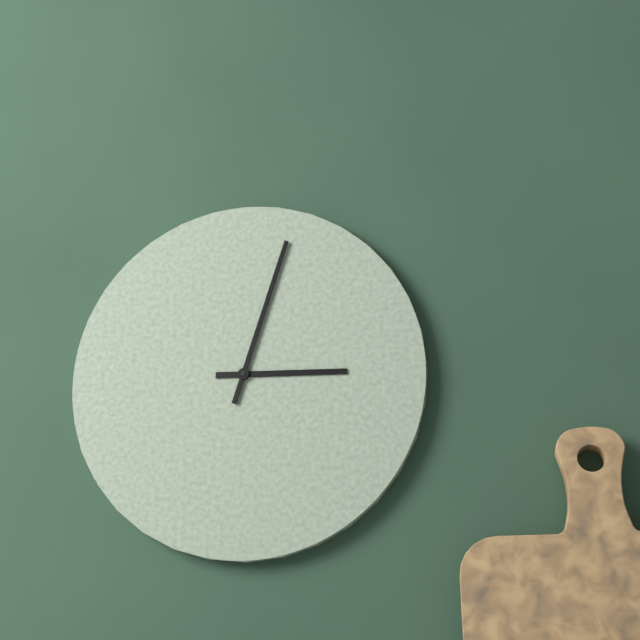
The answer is {"hour": 3, "minute": 3}
